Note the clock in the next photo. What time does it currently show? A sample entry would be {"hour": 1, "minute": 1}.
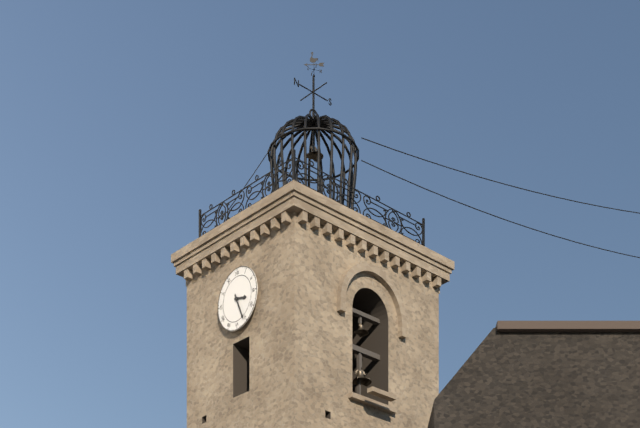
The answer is {"hour": 3, "minute": 26}
